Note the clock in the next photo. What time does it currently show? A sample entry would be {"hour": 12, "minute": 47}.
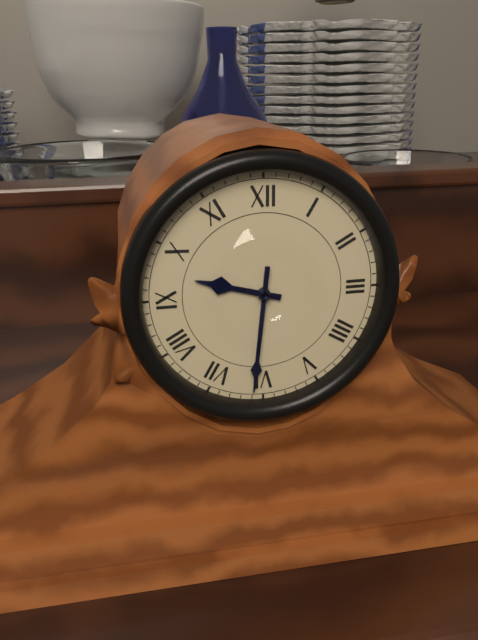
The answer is {"hour": 9, "minute": 31}
